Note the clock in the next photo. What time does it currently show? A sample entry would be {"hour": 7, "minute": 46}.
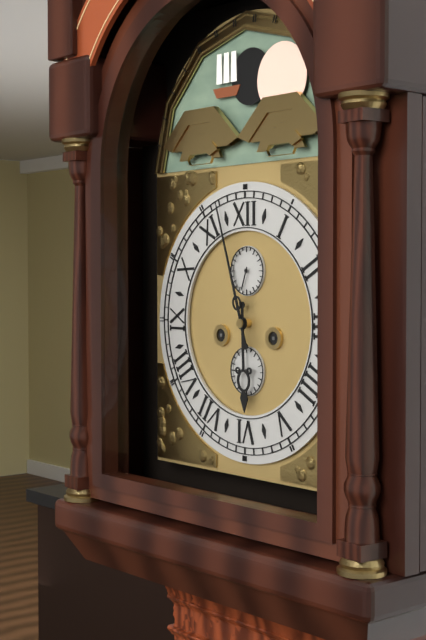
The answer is {"hour": 5, "minute": 57}
